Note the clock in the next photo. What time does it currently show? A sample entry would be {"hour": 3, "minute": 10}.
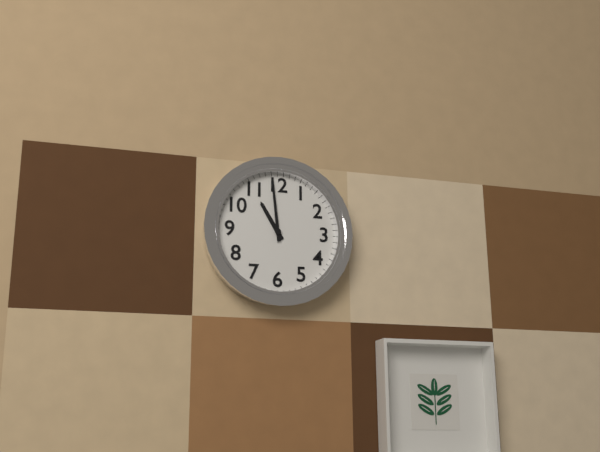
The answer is {"hour": 10, "minute": 59}
